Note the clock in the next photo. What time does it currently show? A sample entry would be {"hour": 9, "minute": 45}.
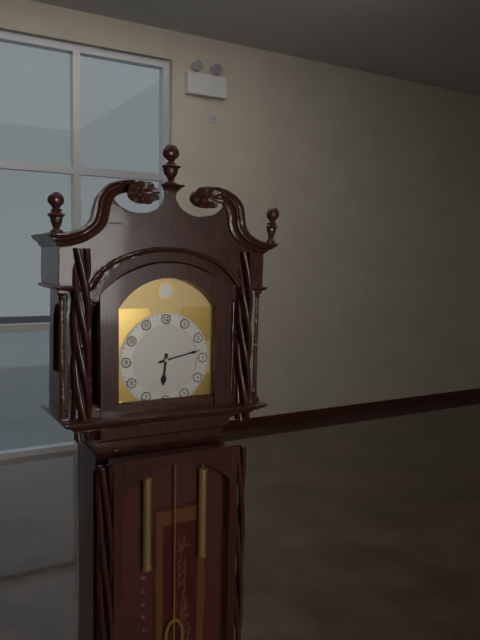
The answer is {"hour": 6, "minute": 13}
